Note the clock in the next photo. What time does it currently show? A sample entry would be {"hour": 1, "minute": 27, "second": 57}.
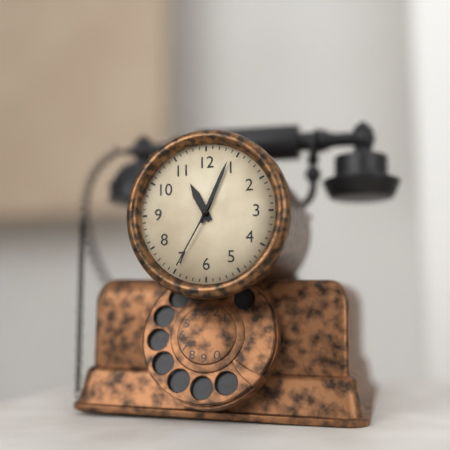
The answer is {"hour": 11, "minute": 4, "second": 35}
